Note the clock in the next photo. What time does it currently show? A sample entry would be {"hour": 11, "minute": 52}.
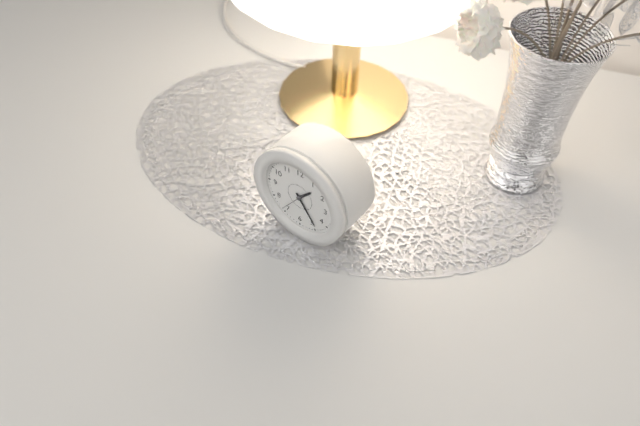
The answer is {"hour": 1, "minute": 24}
